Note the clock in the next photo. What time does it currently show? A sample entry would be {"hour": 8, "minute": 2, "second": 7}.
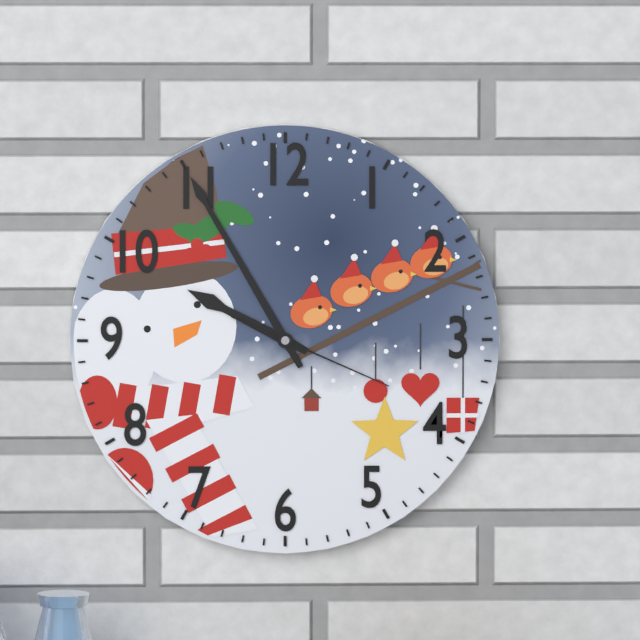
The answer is {"hour": 9, "minute": 55, "second": 19}
